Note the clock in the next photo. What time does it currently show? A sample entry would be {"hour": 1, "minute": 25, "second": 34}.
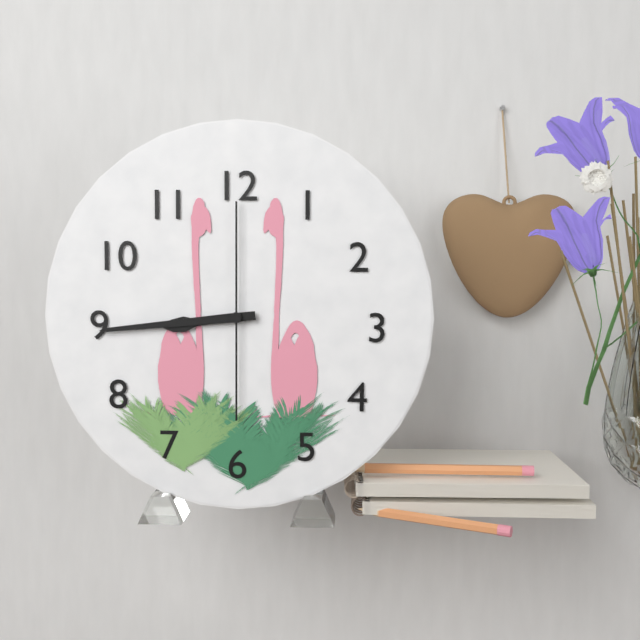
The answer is {"hour": 8, "minute": 44, "second": 0}
